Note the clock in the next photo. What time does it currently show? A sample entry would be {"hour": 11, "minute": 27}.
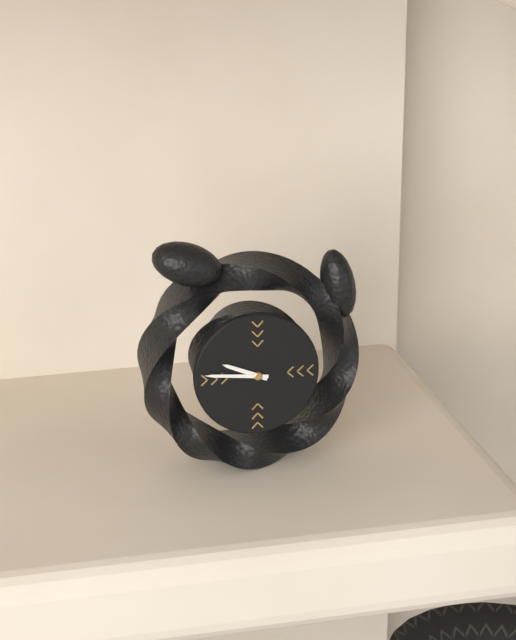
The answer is {"hour": 9, "minute": 46}
